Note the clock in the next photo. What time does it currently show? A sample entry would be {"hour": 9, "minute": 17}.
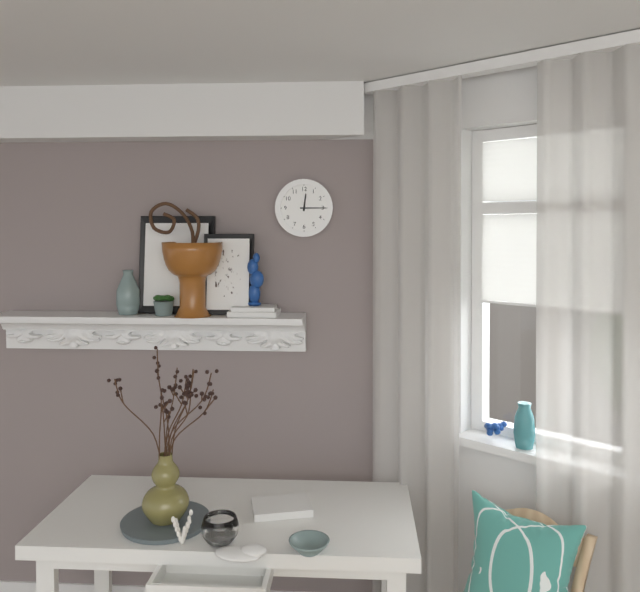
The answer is {"hour": 12, "minute": 15}
